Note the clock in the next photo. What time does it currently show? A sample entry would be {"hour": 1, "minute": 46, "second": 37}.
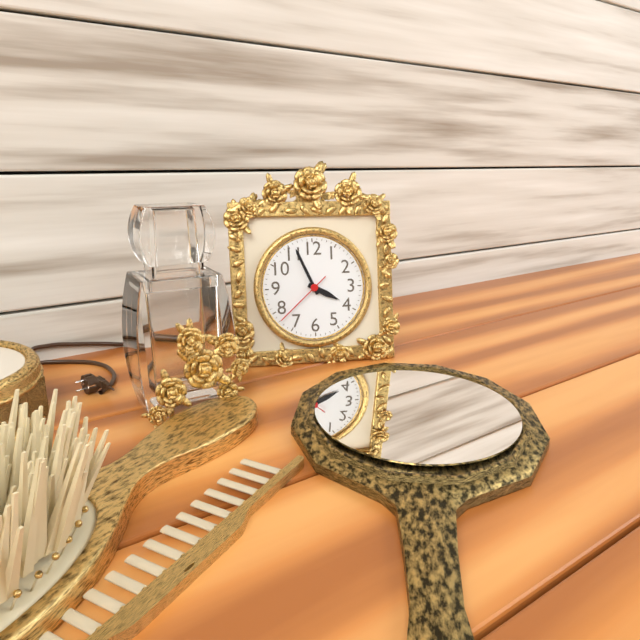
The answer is {"hour": 3, "minute": 56, "second": 38}
